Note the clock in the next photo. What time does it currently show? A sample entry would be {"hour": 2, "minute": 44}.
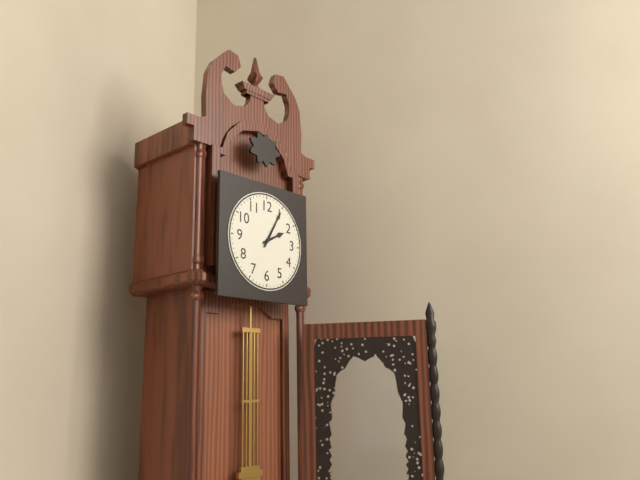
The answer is {"hour": 2, "minute": 5}
